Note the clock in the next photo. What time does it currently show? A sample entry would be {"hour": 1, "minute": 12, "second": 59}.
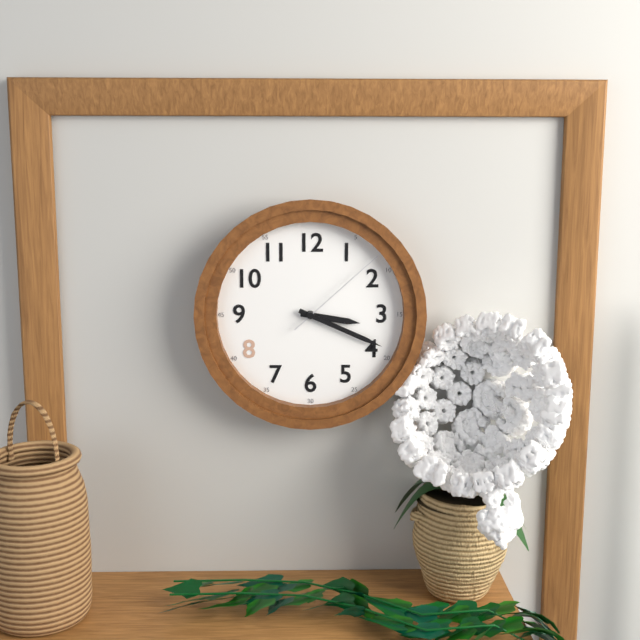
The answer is {"hour": 3, "minute": 19, "second": 8}
